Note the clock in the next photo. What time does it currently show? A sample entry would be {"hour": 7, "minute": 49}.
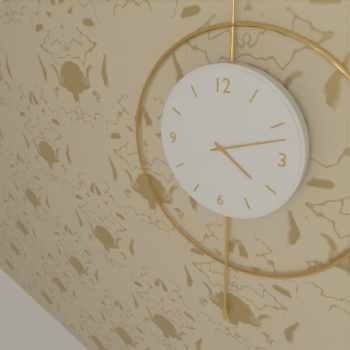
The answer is {"hour": 4, "minute": 12}
